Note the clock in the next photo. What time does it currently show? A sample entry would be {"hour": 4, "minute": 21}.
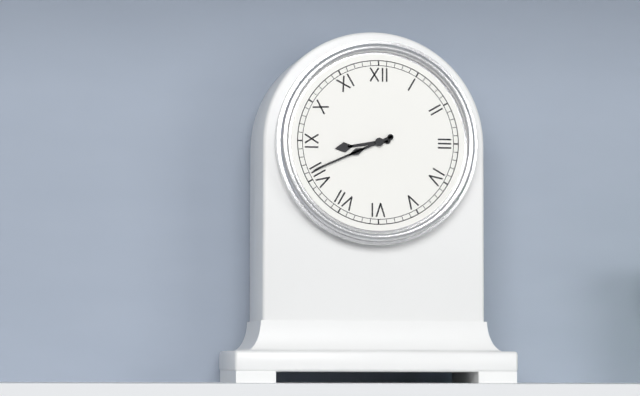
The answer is {"hour": 8, "minute": 41}
